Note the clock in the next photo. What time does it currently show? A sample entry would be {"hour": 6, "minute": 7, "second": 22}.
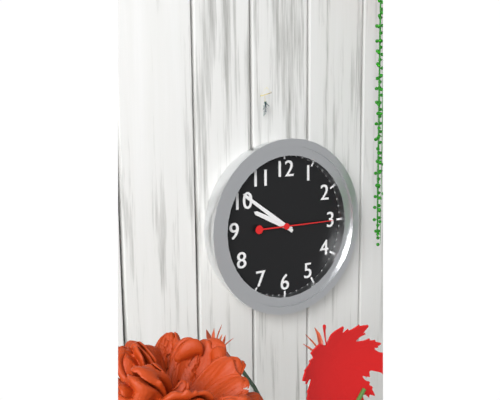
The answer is {"hour": 9, "minute": 51, "second": 15}
